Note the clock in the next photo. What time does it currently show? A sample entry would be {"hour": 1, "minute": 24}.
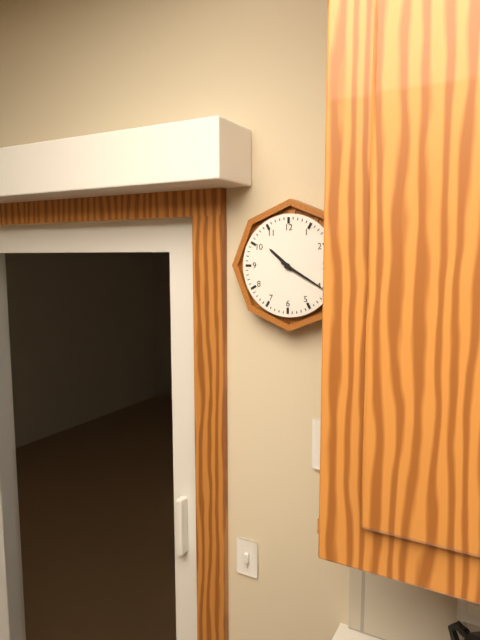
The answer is {"hour": 10, "minute": 20}
